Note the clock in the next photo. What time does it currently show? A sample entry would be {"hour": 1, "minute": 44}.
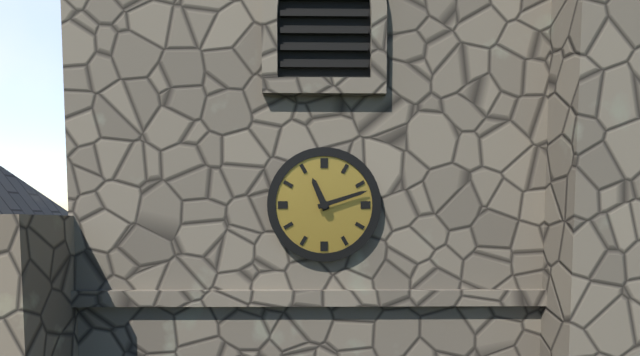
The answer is {"hour": 11, "minute": 12}
